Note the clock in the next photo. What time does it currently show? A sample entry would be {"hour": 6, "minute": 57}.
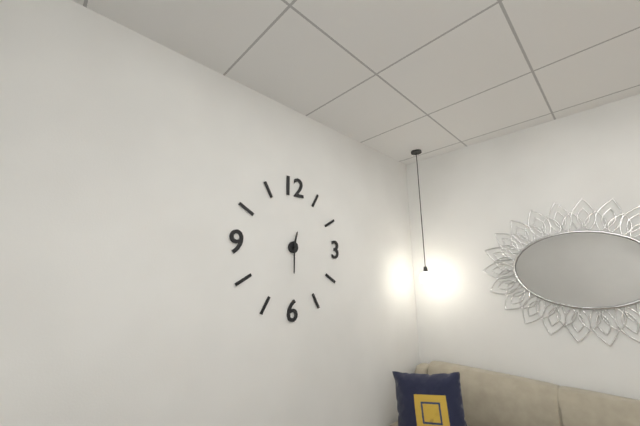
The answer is {"hour": 12, "minute": 30}
